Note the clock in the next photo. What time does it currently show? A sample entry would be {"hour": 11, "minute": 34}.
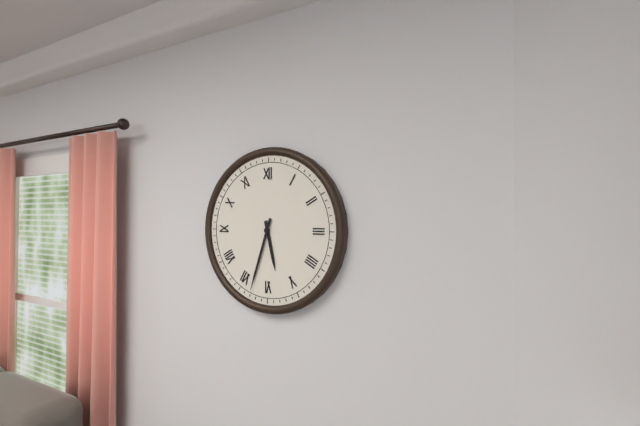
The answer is {"hour": 5, "minute": 33}
